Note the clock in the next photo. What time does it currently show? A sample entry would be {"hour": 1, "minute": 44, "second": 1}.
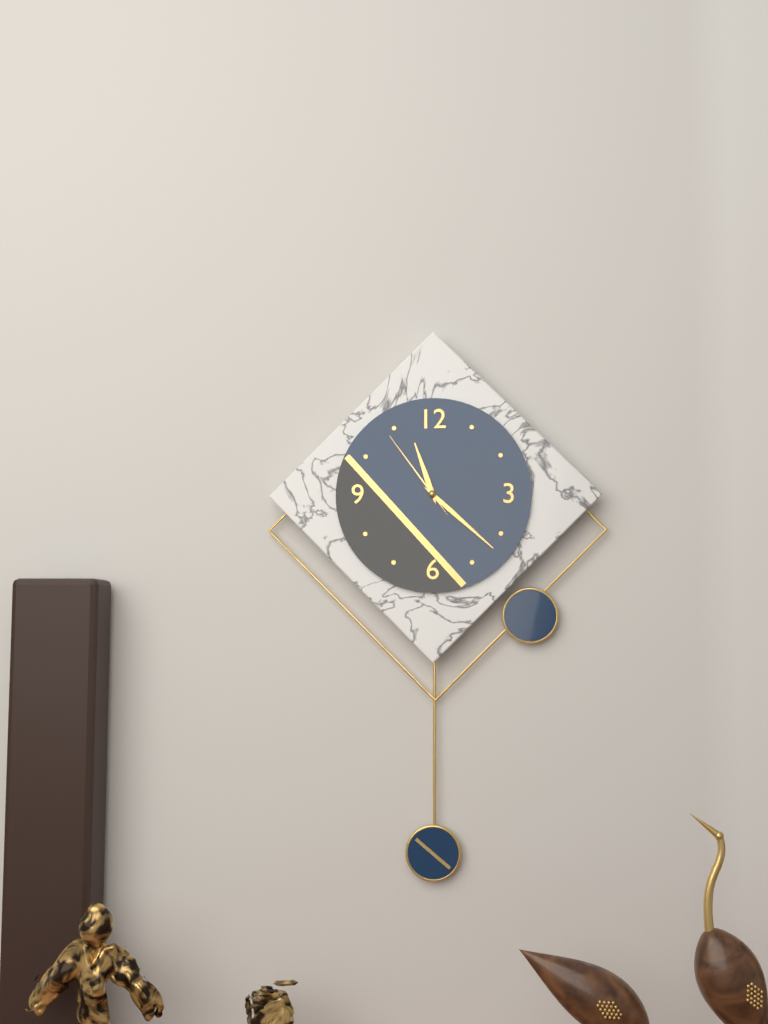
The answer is {"hour": 11, "minute": 22, "second": 54}
